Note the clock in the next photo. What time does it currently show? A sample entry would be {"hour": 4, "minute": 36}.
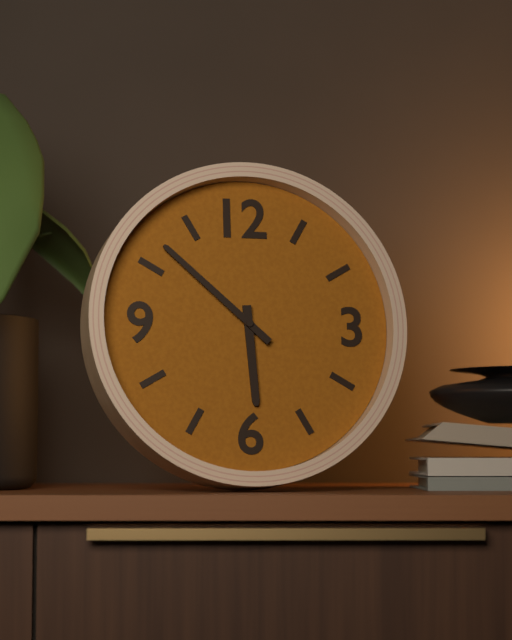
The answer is {"hour": 5, "minute": 52}
